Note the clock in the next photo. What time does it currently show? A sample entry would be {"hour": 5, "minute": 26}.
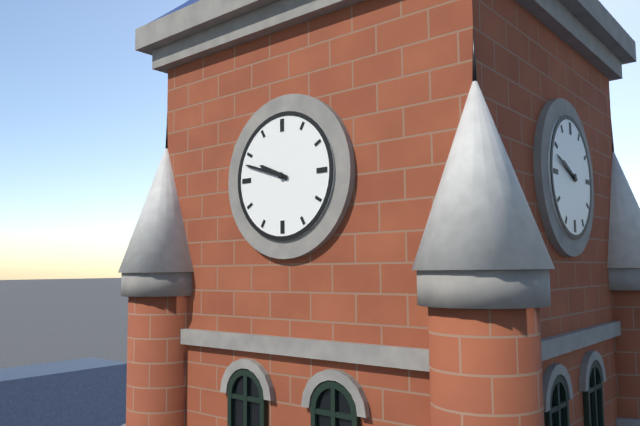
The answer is {"hour": 9, "minute": 48}
